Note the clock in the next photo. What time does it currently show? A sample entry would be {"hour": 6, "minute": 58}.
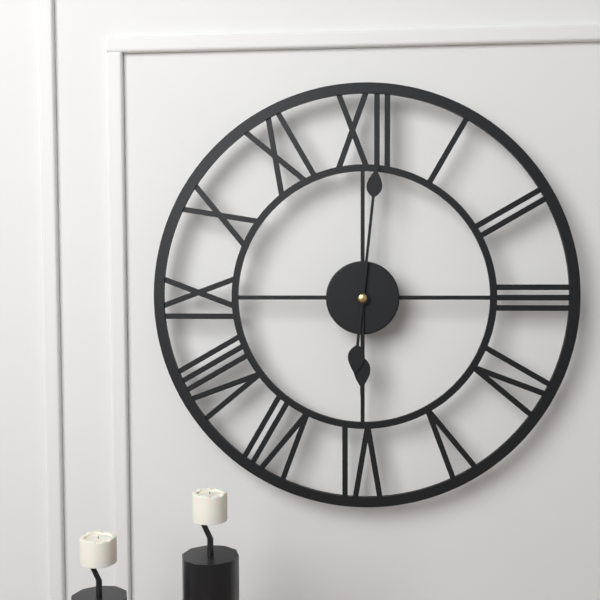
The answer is {"hour": 6, "minute": 1}
